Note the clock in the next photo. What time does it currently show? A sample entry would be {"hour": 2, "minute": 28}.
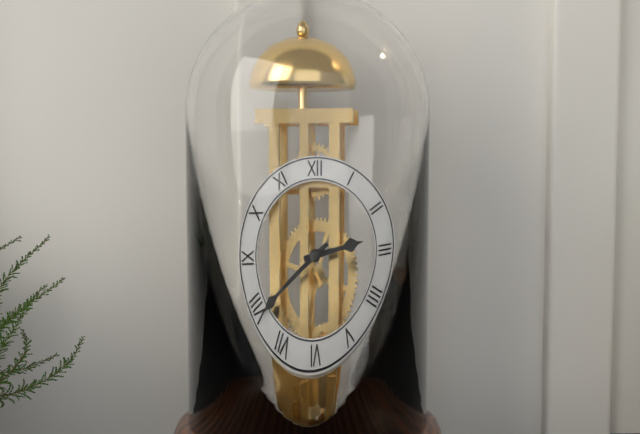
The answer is {"hour": 2, "minute": 39}
